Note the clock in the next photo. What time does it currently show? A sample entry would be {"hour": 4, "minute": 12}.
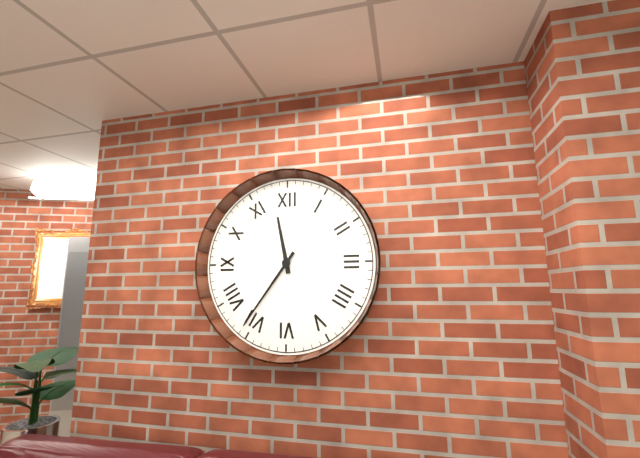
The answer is {"hour": 11, "minute": 36}
